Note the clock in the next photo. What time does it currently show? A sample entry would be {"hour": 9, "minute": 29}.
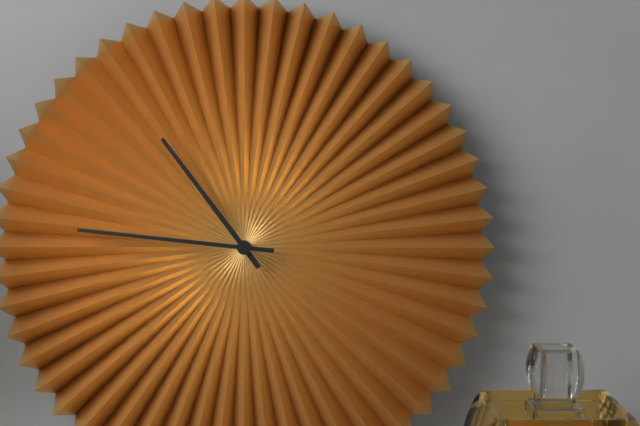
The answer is {"hour": 10, "minute": 46}
